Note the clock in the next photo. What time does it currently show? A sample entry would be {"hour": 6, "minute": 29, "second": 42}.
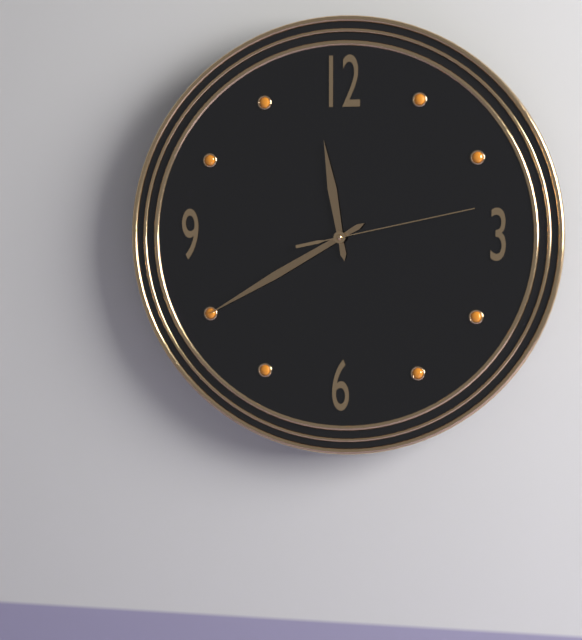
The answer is {"hour": 11, "minute": 40, "second": 13}
